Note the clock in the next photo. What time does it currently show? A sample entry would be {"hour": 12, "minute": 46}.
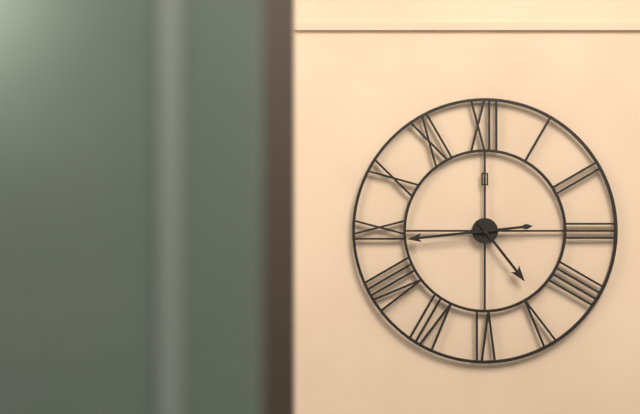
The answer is {"hour": 4, "minute": 44}
